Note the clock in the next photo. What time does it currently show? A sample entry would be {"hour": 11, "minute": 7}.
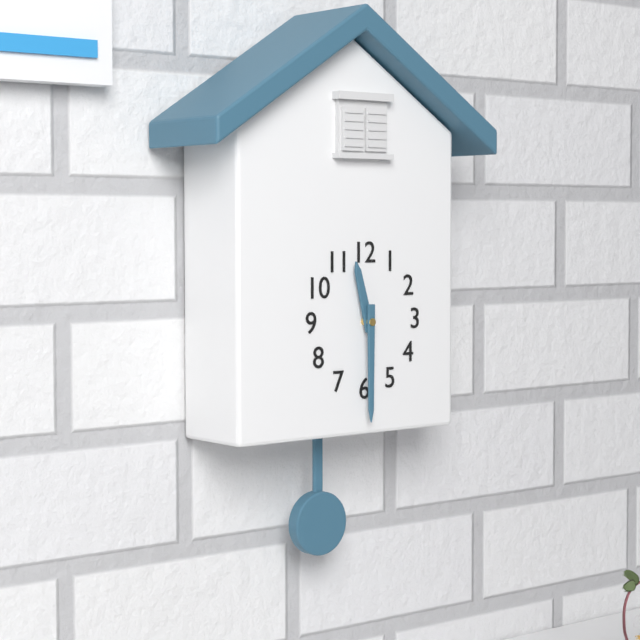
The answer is {"hour": 11, "minute": 30}
